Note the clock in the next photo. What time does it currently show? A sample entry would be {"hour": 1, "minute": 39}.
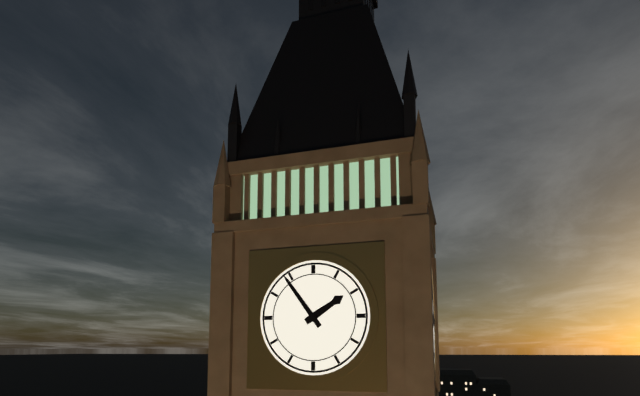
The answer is {"hour": 1, "minute": 54}
